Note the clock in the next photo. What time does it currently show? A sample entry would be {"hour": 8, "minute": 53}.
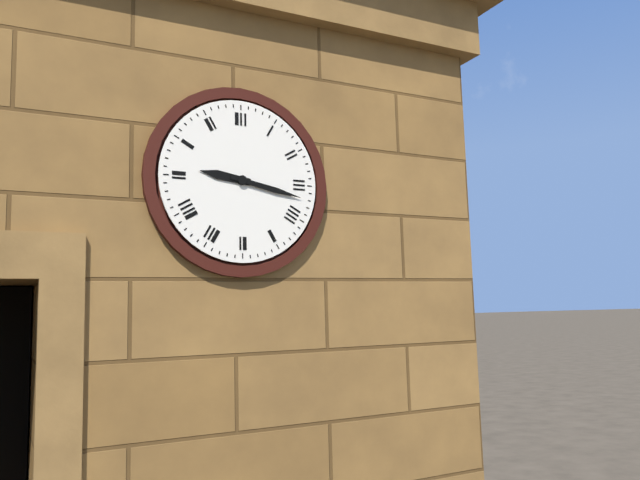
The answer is {"hour": 9, "minute": 17}
